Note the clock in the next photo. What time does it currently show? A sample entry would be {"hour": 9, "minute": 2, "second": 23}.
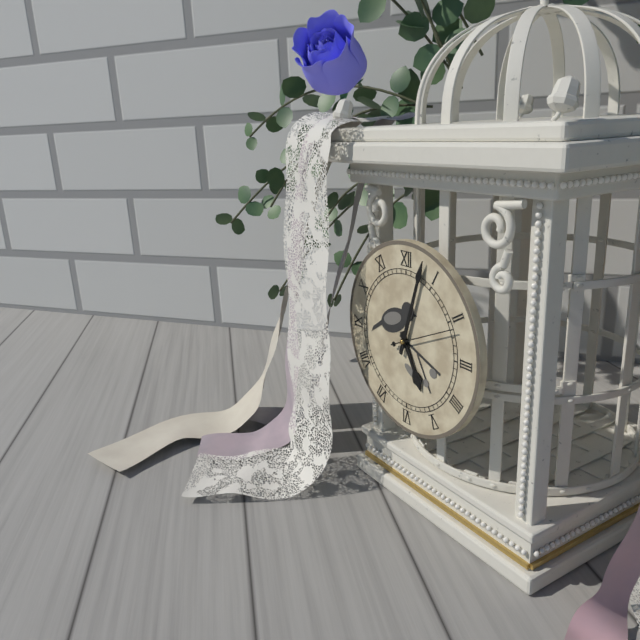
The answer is {"hour": 5, "minute": 3, "second": 11}
